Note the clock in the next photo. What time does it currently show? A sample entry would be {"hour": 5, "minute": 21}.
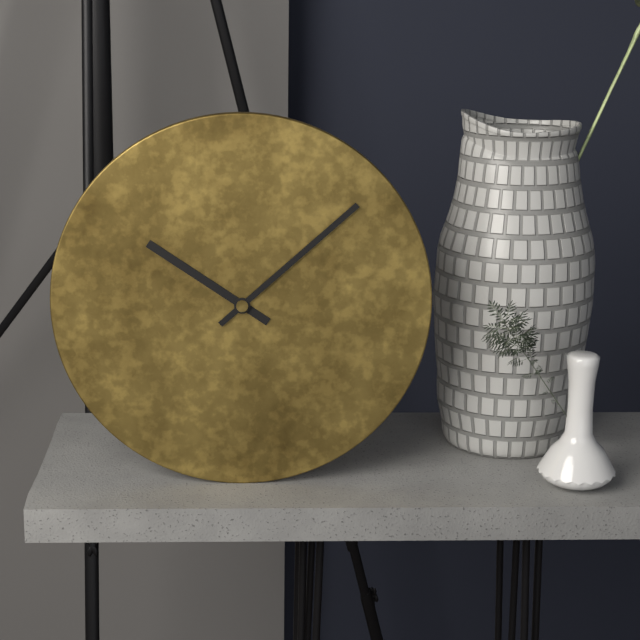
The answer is {"hour": 10, "minute": 8}
